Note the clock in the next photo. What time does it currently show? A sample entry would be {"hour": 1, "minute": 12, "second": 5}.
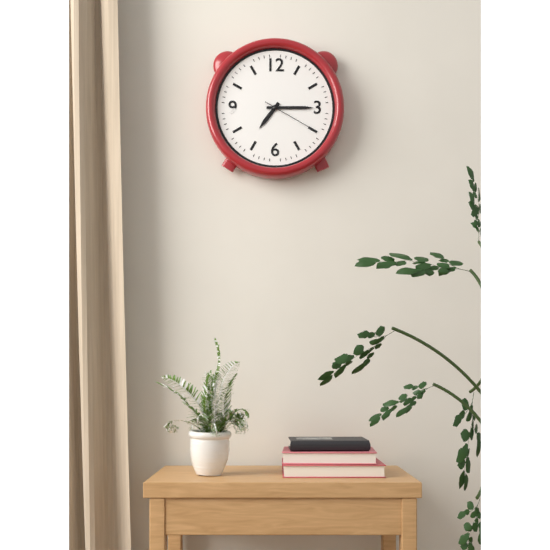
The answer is {"hour": 7, "minute": 15, "second": 20}
